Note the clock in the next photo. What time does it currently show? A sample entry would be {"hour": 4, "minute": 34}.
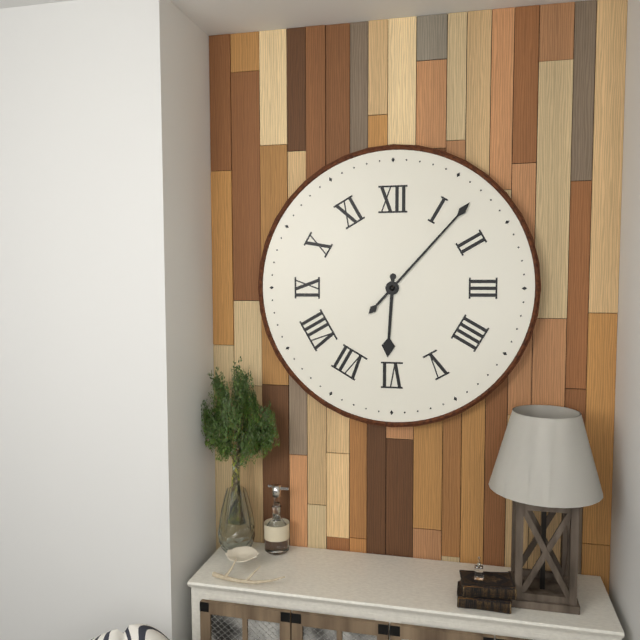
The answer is {"hour": 6, "minute": 7}
